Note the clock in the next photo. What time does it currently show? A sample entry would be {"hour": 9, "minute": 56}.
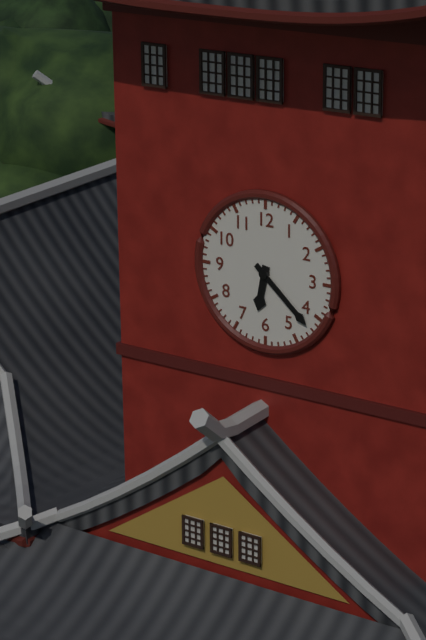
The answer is {"hour": 6, "minute": 22}
